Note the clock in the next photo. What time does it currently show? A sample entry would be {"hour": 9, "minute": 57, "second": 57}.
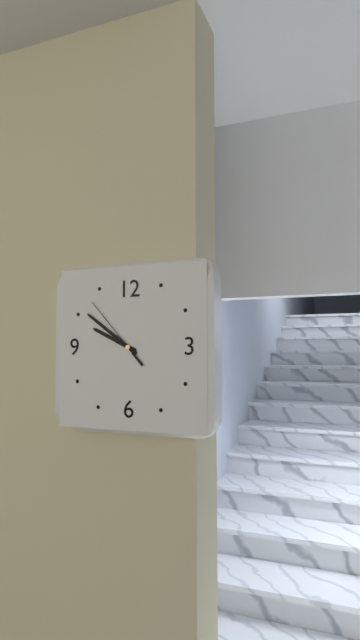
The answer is {"hour": 9, "minute": 51, "second": 53}
